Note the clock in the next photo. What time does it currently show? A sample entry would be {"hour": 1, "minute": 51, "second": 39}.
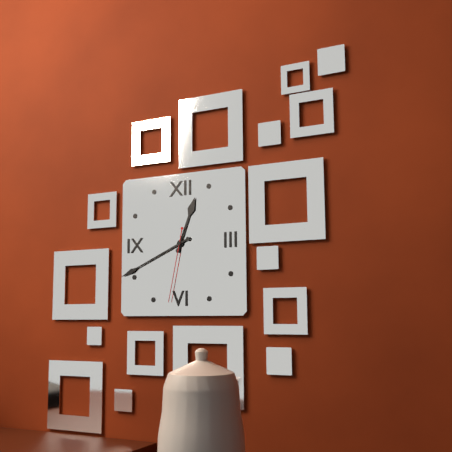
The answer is {"hour": 12, "minute": 41, "second": 32}
